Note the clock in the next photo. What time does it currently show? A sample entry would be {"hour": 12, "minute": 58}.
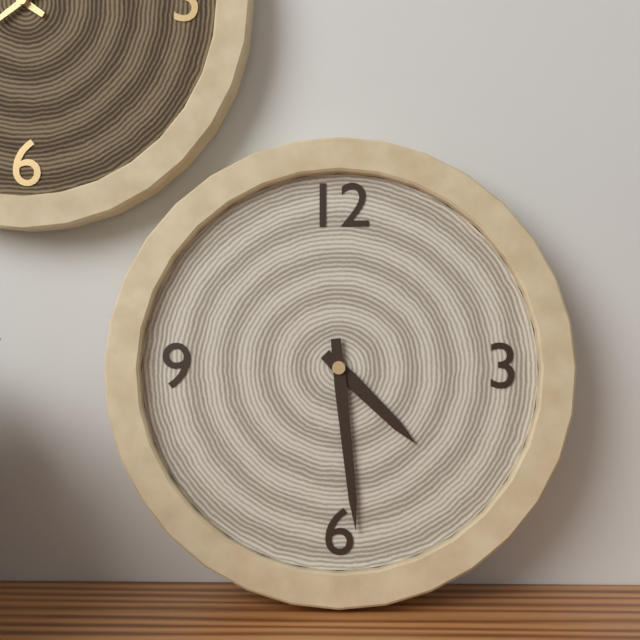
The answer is {"hour": 4, "minute": 29}
